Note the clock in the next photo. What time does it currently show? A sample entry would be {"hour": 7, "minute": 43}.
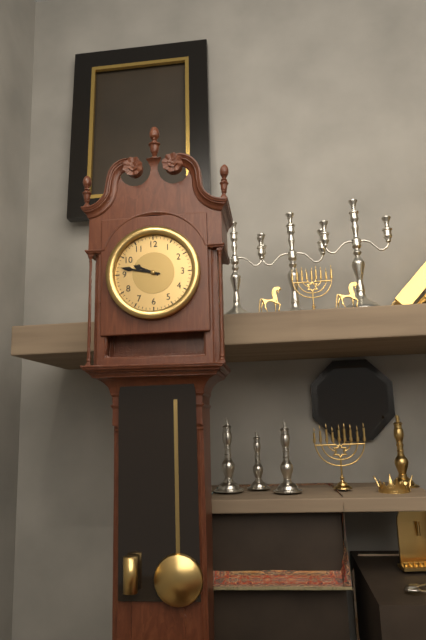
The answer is {"hour": 9, "minute": 47}
